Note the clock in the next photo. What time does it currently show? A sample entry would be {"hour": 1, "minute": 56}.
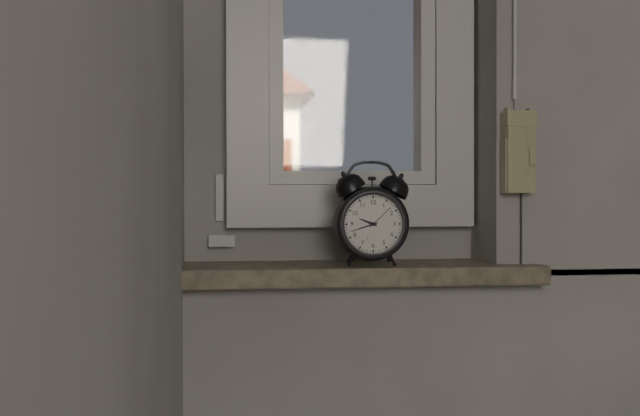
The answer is {"hour": 9, "minute": 42}
